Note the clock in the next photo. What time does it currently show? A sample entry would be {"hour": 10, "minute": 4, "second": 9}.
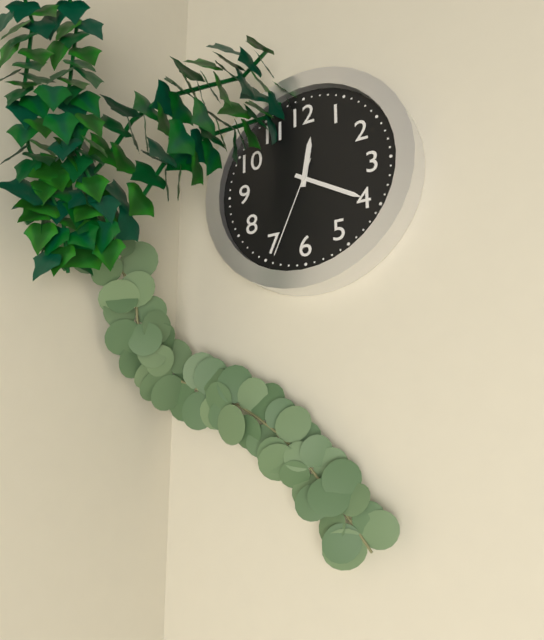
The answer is {"hour": 12, "minute": 20, "second": 34}
